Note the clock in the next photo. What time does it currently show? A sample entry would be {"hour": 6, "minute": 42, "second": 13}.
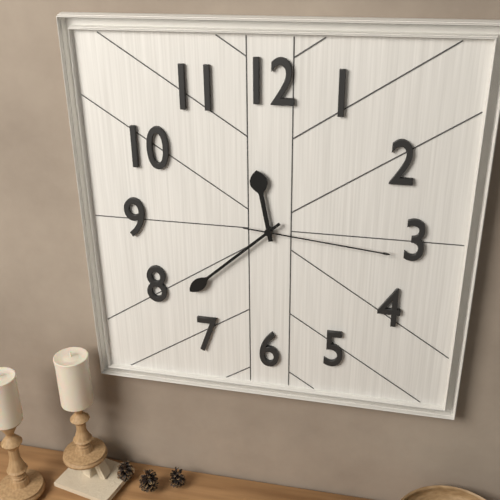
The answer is {"hour": 11, "minute": 38, "second": 16}
